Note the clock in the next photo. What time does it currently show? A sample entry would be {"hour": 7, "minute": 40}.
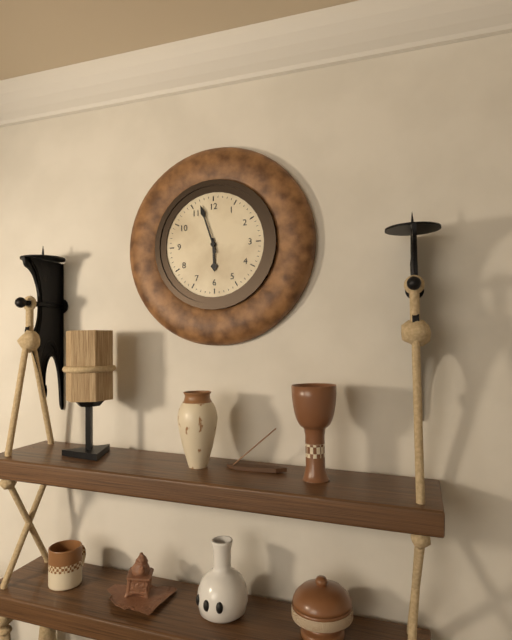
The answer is {"hour": 5, "minute": 57}
